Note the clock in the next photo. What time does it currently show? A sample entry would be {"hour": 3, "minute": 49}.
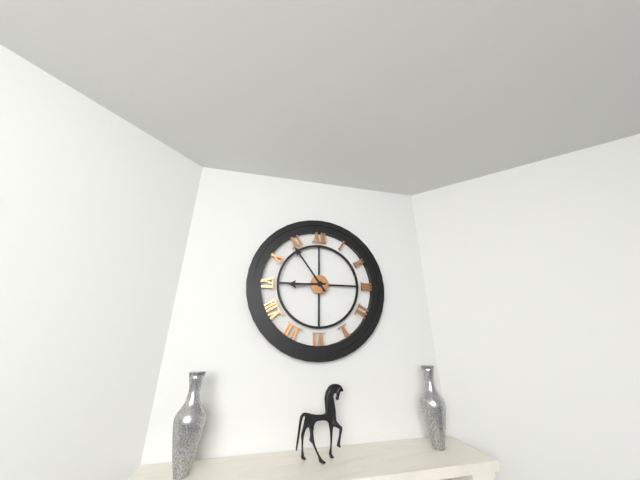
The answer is {"hour": 8, "minute": 54}
